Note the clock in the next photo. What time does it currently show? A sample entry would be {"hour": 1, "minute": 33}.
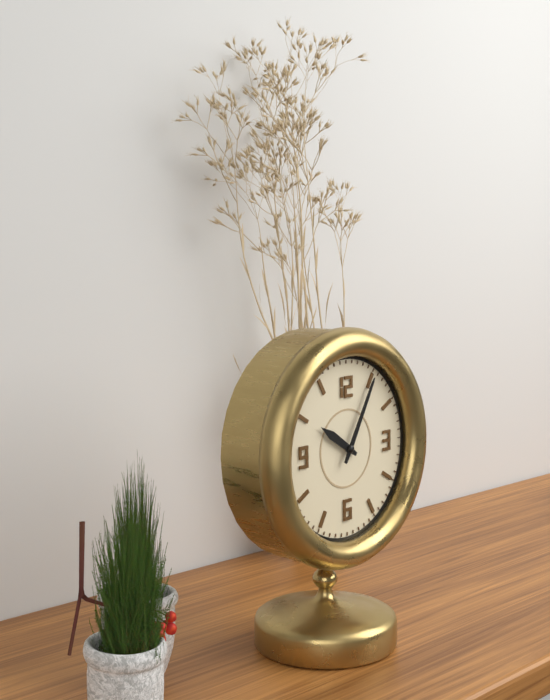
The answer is {"hour": 10, "minute": 5}
